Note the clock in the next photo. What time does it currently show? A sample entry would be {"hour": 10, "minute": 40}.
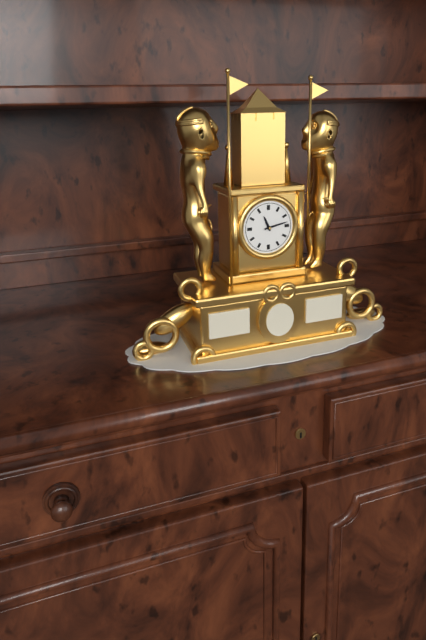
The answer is {"hour": 11, "minute": 13}
